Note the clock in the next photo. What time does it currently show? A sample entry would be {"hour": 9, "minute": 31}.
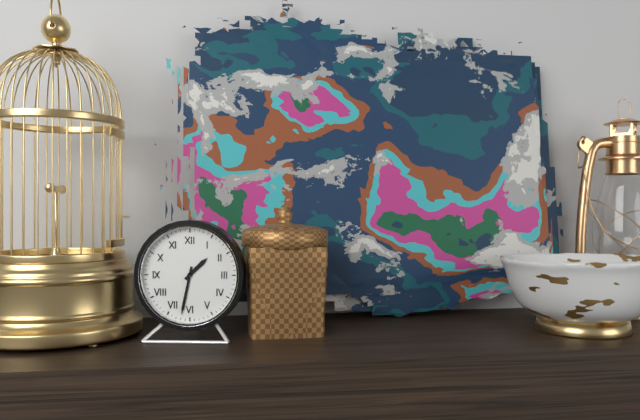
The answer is {"hour": 1, "minute": 32}
